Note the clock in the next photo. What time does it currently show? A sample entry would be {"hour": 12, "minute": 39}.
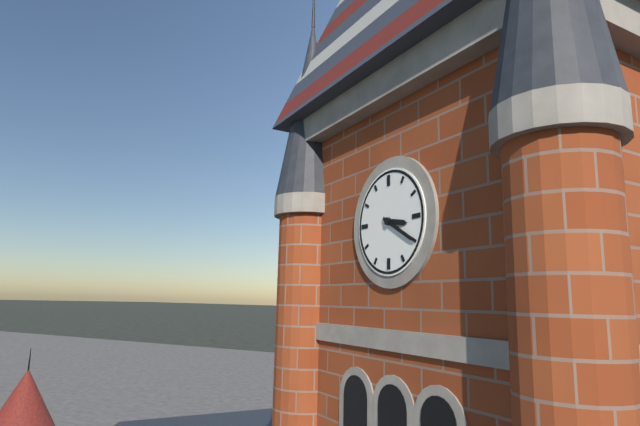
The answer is {"hour": 3, "minute": 20}
